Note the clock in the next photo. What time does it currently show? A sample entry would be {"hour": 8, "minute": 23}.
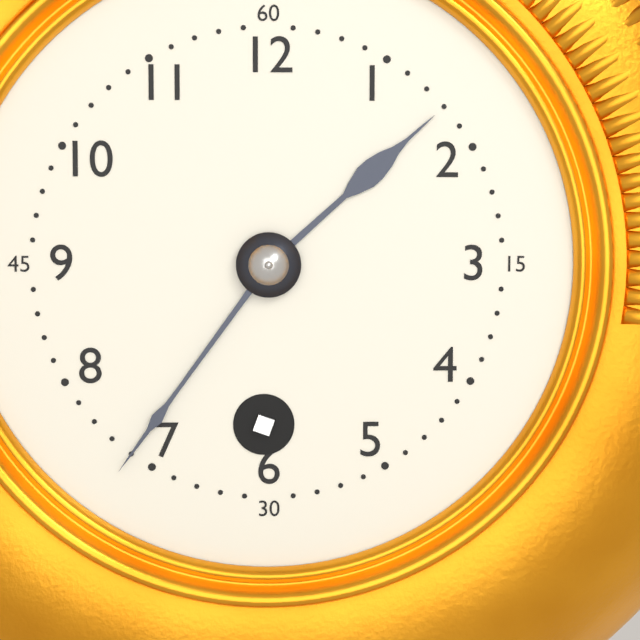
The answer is {"hour": 1, "minute": 36}
